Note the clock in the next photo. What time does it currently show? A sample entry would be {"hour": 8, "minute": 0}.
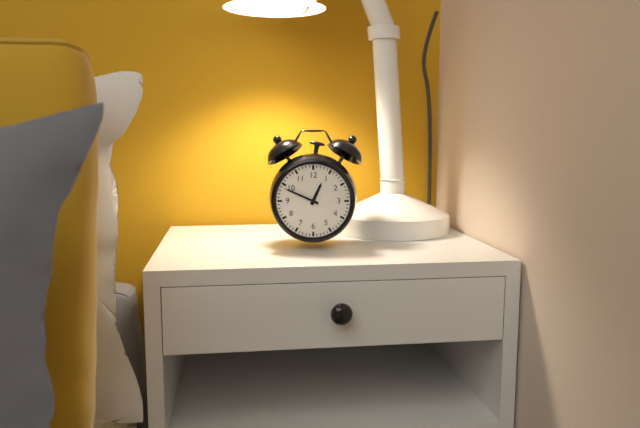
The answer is {"hour": 12, "minute": 49}
